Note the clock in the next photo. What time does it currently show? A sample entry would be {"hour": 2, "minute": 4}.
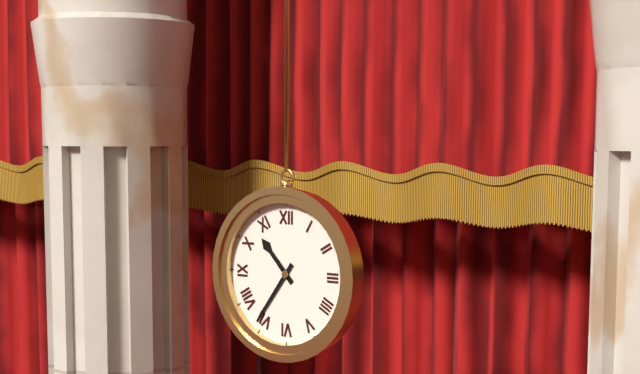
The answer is {"hour": 10, "minute": 36}
